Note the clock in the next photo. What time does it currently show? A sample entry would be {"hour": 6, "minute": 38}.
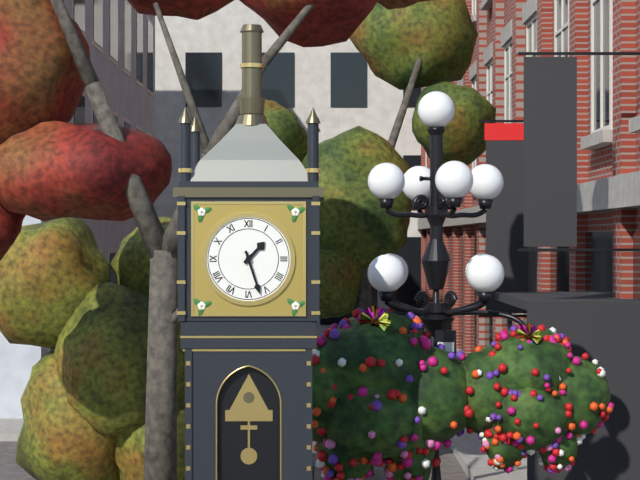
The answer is {"hour": 1, "minute": 27}
